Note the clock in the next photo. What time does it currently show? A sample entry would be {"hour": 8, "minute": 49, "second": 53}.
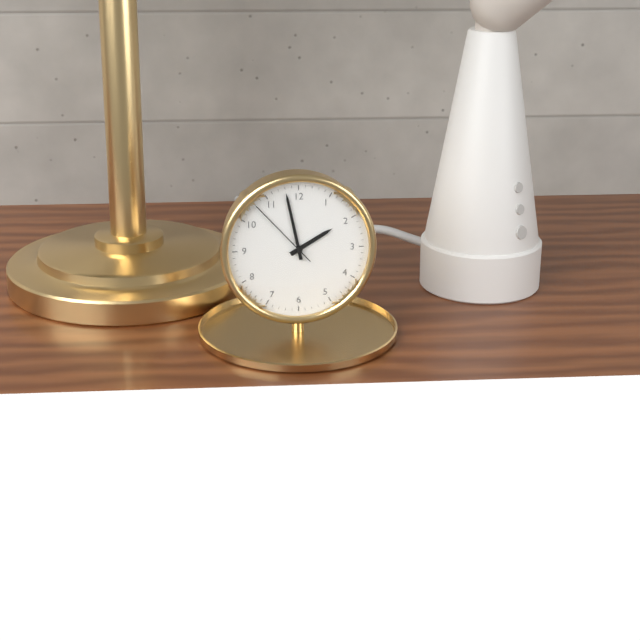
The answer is {"hour": 1, "minute": 58, "second": 53}
